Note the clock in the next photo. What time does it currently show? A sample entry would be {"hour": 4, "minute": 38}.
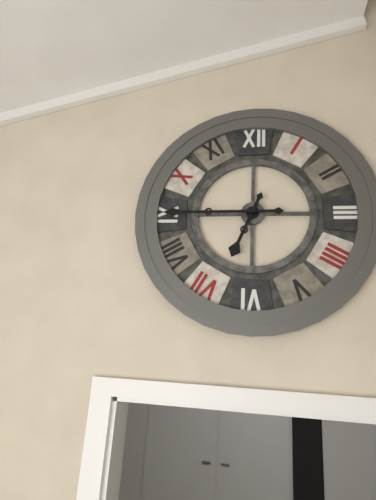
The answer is {"hour": 6, "minute": 45}
